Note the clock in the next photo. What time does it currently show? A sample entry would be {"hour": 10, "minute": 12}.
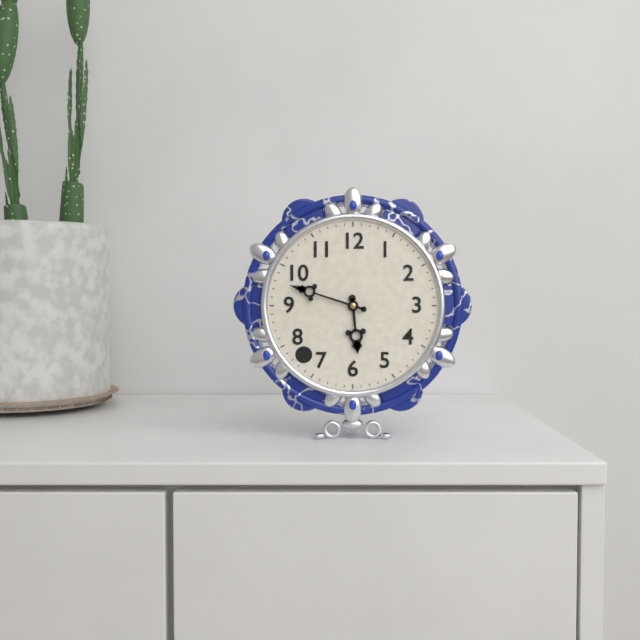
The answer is {"hour": 5, "minute": 48}
